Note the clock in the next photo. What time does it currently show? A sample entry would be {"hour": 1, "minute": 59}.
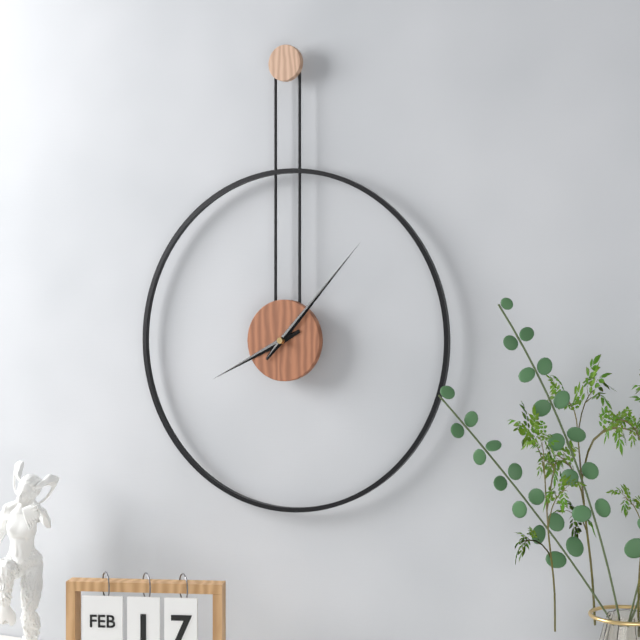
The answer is {"hour": 8, "minute": 7}
